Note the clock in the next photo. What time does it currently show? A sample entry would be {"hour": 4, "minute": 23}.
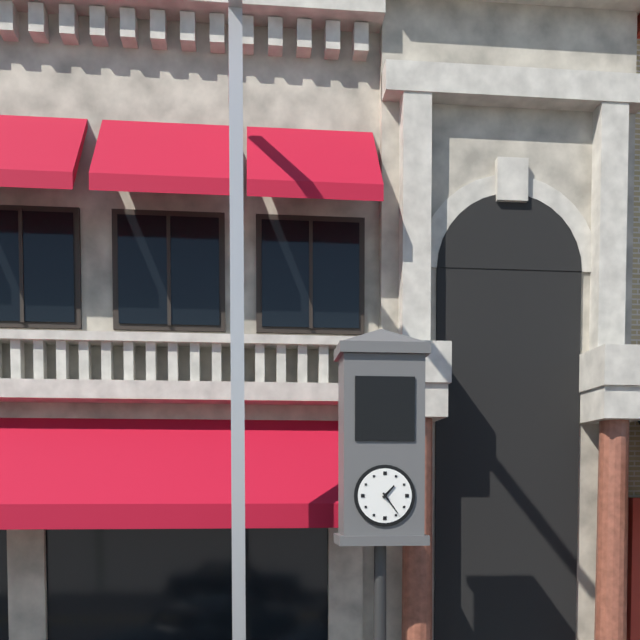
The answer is {"hour": 1, "minute": 24}
